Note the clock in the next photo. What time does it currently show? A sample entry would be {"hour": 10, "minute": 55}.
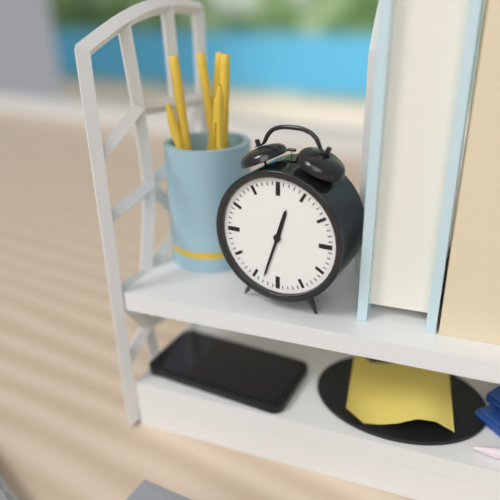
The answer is {"hour": 12, "minute": 33}
